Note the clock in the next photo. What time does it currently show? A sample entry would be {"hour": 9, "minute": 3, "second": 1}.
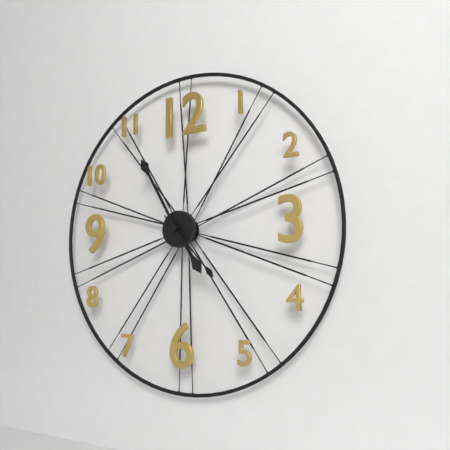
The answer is {"hour": 4, "minute": 55, "second": 23}
